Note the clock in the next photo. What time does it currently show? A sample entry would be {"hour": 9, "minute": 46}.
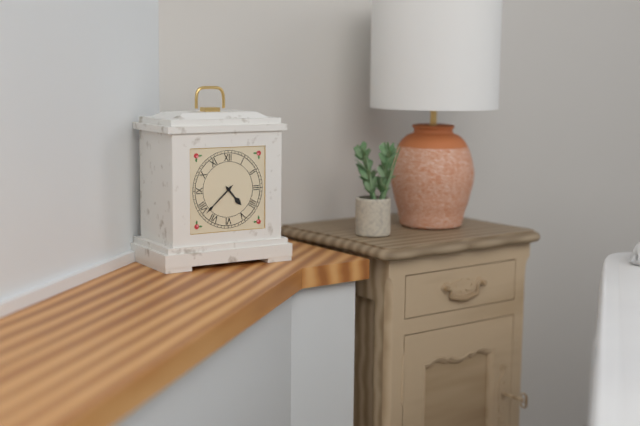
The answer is {"hour": 4, "minute": 38}
